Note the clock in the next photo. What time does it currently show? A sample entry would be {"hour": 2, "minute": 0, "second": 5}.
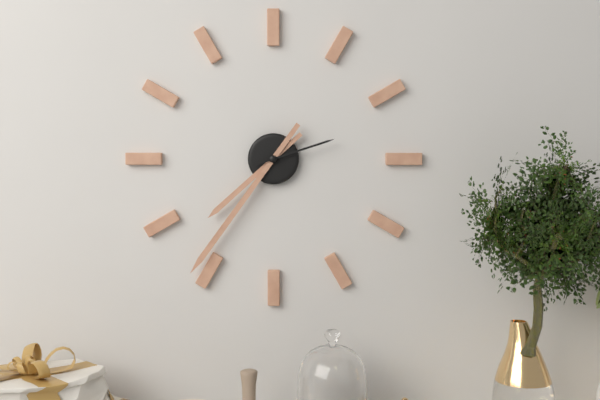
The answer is {"hour": 7, "minute": 36, "second": 12}
